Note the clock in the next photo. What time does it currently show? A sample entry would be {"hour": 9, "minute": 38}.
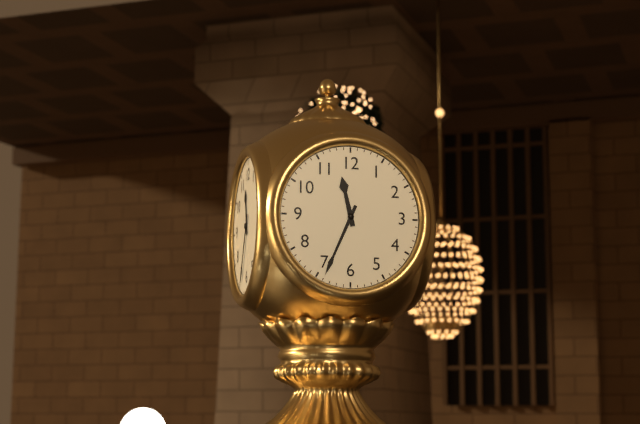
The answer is {"hour": 11, "minute": 34}
